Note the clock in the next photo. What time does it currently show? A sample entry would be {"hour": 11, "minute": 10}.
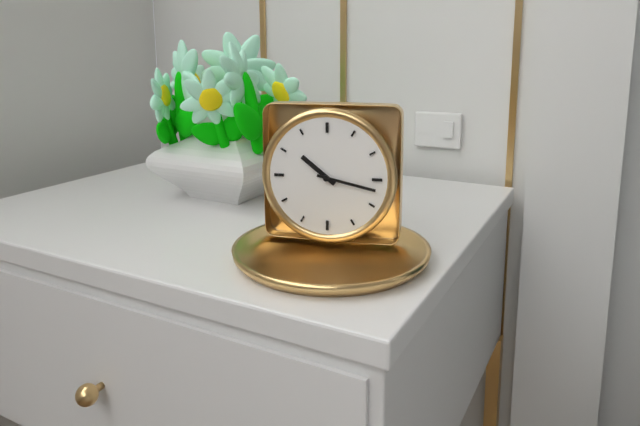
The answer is {"hour": 10, "minute": 17}
